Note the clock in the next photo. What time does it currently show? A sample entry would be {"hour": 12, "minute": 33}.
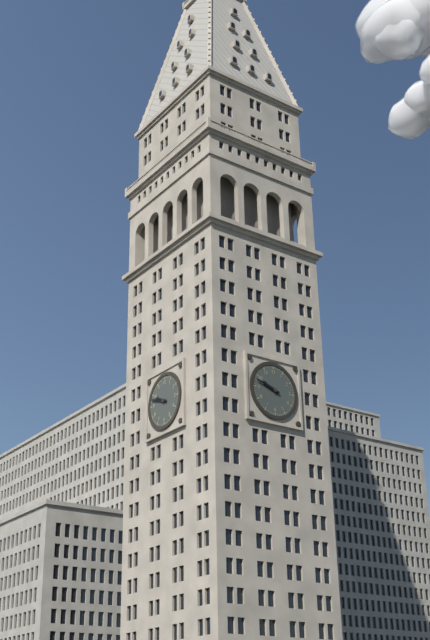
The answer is {"hour": 9, "minute": 48}
